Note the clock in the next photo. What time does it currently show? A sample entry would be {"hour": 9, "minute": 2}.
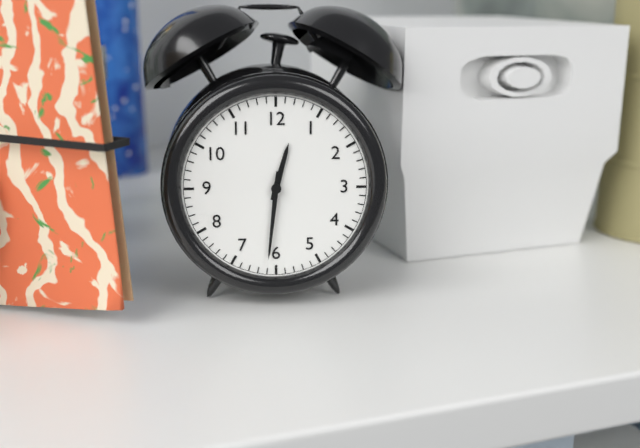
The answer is {"hour": 12, "minute": 31}
